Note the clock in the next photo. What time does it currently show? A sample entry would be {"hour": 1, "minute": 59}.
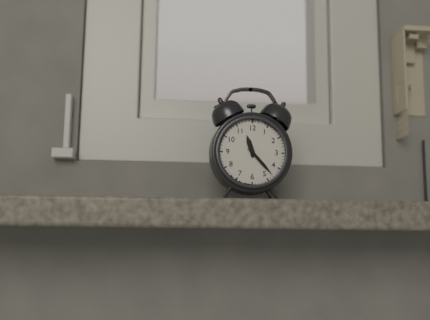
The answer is {"hour": 11, "minute": 23}
